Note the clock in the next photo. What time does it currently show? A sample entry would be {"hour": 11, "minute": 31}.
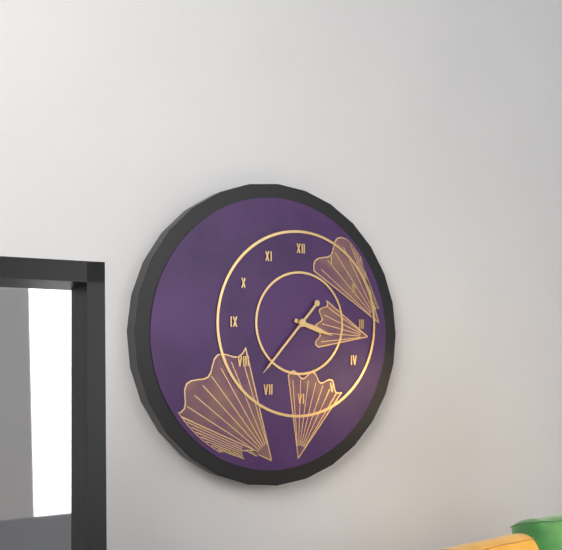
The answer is {"hour": 3, "minute": 37}
